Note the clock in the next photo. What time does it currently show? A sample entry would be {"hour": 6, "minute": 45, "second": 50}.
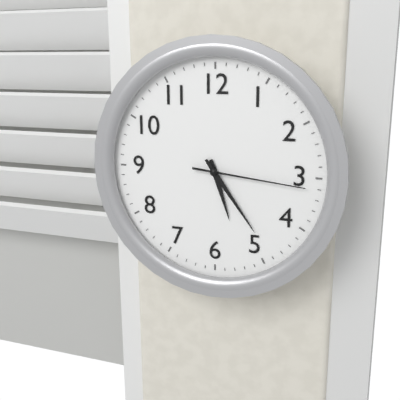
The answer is {"hour": 5, "minute": 24, "second": 16}
